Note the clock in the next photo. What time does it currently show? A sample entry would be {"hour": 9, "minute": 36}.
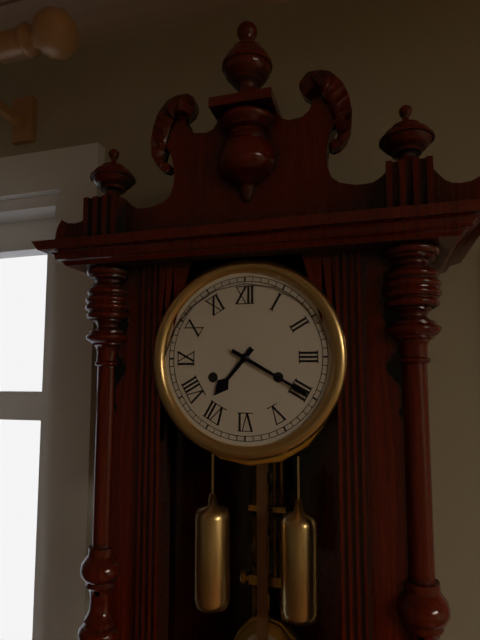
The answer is {"hour": 7, "minute": 20}
